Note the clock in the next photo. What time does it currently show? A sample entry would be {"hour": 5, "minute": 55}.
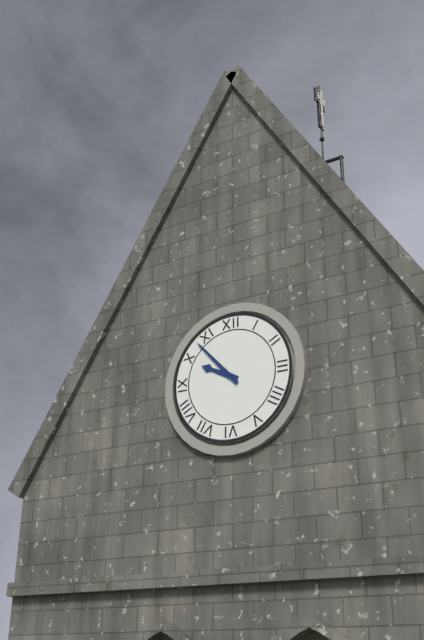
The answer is {"hour": 9, "minute": 53}
